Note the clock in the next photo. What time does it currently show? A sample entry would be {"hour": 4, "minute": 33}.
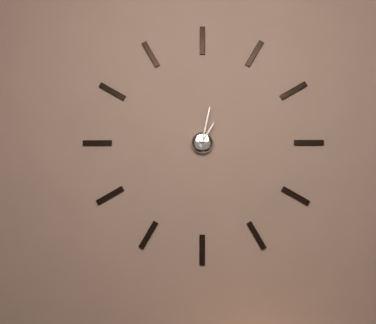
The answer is {"hour": 1, "minute": 2}
